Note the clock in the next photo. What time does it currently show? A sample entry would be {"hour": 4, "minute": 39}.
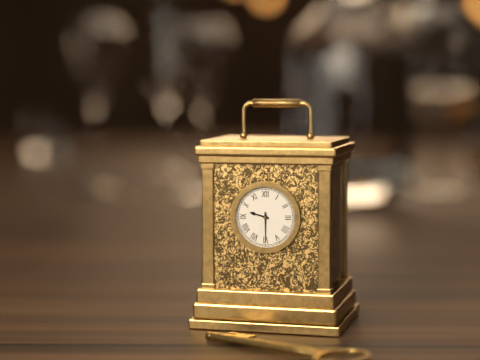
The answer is {"hour": 9, "minute": 30}
